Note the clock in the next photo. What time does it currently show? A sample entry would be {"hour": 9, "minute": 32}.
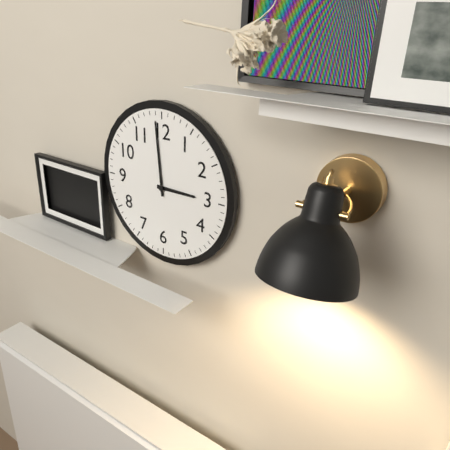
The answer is {"hour": 2, "minute": 59}
